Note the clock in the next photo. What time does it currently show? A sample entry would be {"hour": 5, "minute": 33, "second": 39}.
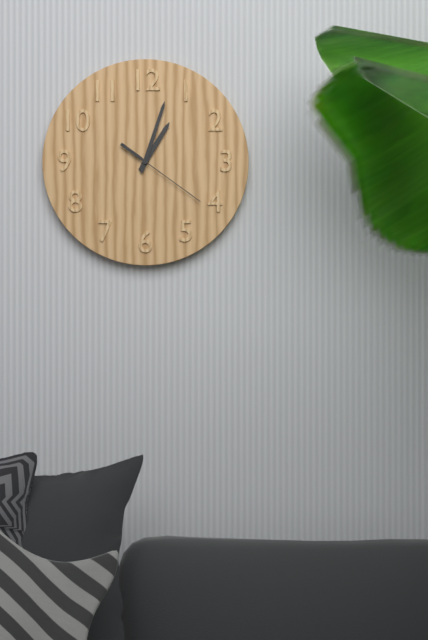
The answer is {"hour": 1, "minute": 3, "second": 21}
